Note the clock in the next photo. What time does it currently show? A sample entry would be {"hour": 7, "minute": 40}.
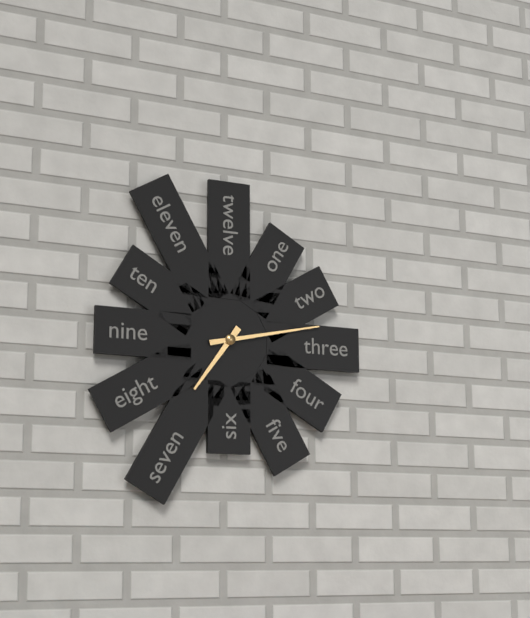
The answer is {"hour": 7, "minute": 13}
